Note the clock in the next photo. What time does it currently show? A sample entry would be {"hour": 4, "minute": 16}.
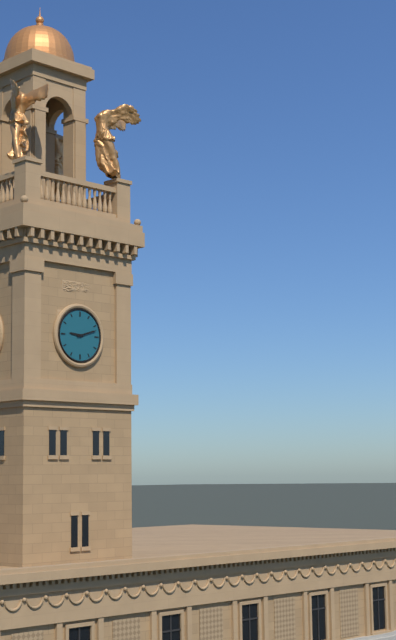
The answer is {"hour": 9, "minute": 12}
